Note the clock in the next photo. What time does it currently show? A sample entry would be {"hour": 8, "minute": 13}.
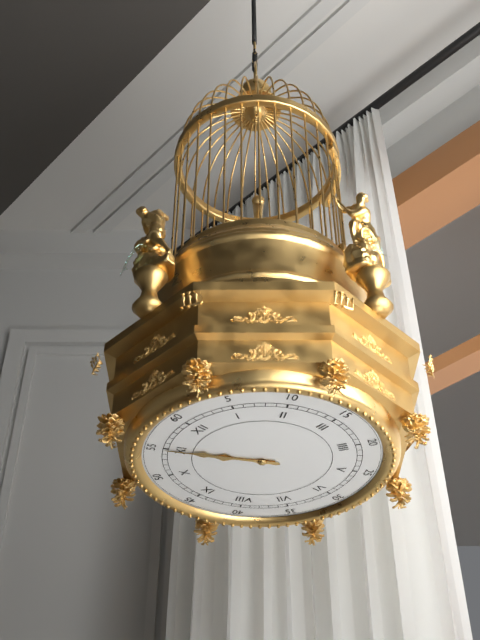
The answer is {"hour": 10, "minute": 55}
